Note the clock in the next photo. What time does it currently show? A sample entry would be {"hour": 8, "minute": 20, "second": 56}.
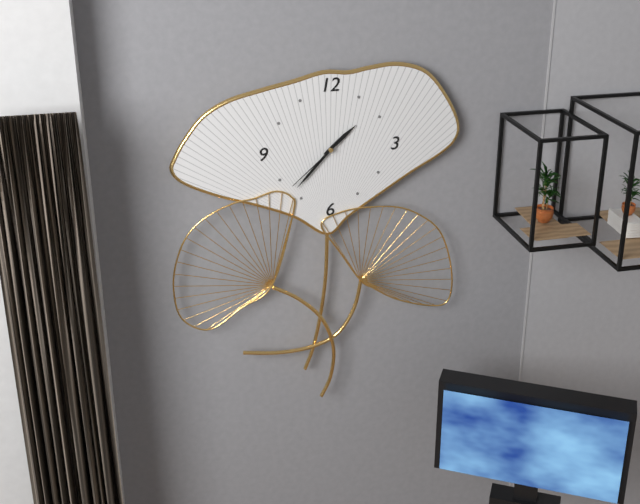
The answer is {"hour": 1, "minute": 37, "second": 38}
